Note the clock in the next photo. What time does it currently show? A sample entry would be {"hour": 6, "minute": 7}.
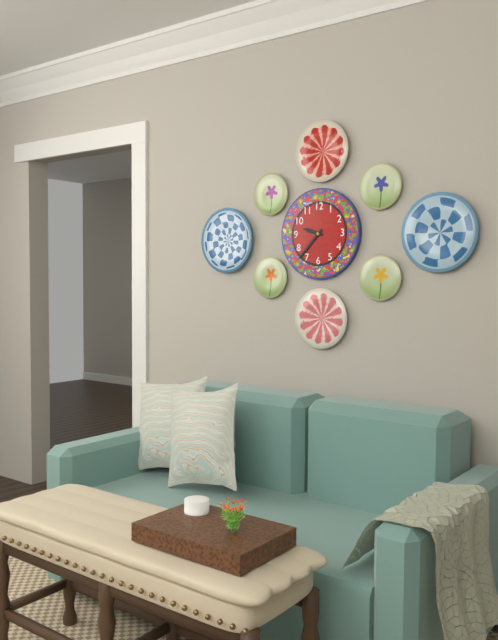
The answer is {"hour": 9, "minute": 37}
